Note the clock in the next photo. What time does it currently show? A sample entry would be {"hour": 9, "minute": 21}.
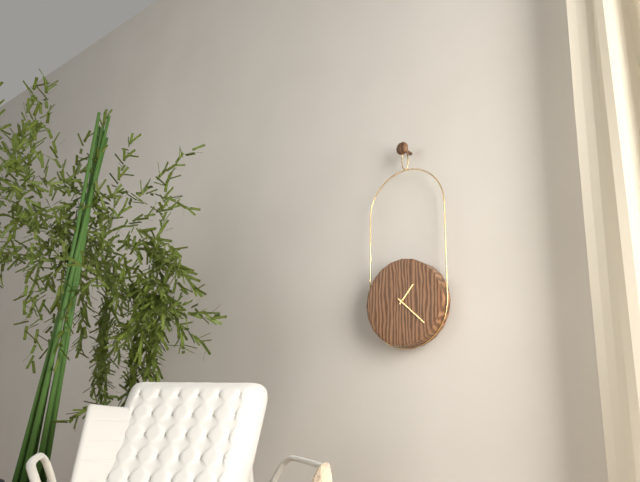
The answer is {"hour": 1, "minute": 22}
